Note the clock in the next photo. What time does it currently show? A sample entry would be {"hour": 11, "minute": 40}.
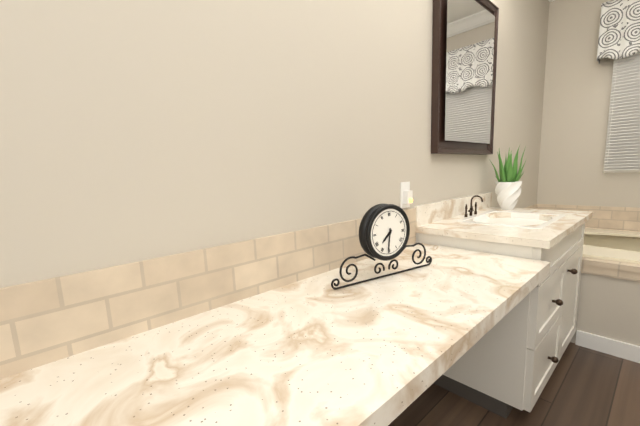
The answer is {"hour": 7, "minute": 31}
